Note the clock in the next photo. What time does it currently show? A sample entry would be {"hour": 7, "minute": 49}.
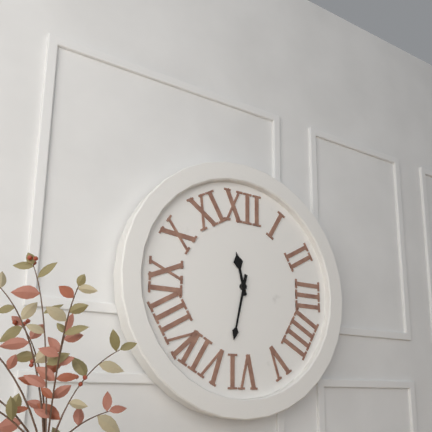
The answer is {"hour": 11, "minute": 32}
